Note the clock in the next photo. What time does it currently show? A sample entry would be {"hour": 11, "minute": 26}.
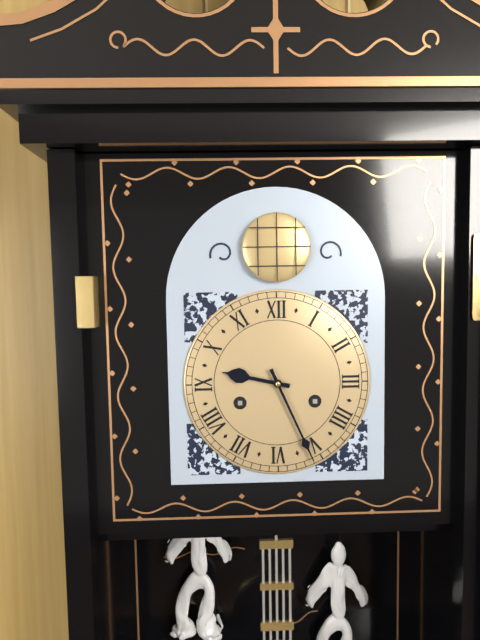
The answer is {"hour": 9, "minute": 26}
